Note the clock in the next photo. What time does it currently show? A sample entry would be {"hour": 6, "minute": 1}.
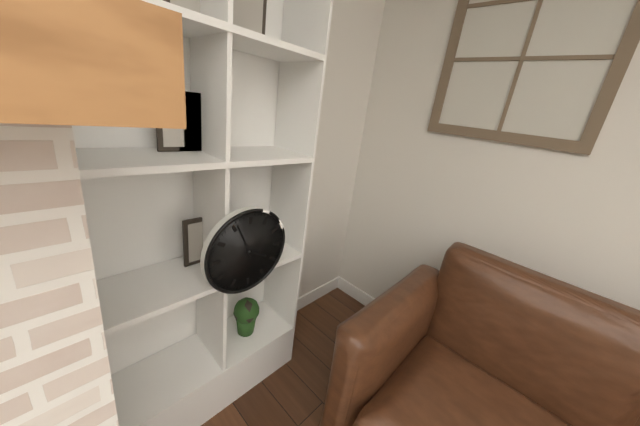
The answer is {"hour": 3, "minute": 56}
